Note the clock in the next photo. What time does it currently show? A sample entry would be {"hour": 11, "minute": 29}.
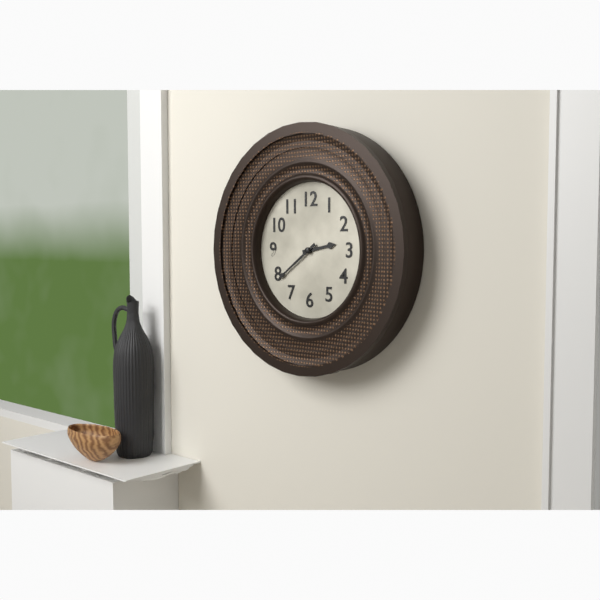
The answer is {"hour": 2, "minute": 39}
